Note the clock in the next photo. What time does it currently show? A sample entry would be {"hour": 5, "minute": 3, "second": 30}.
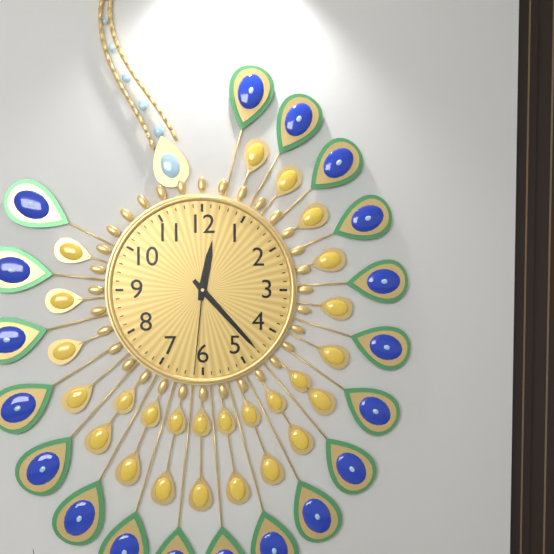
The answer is {"hour": 12, "minute": 23, "second": 31}
